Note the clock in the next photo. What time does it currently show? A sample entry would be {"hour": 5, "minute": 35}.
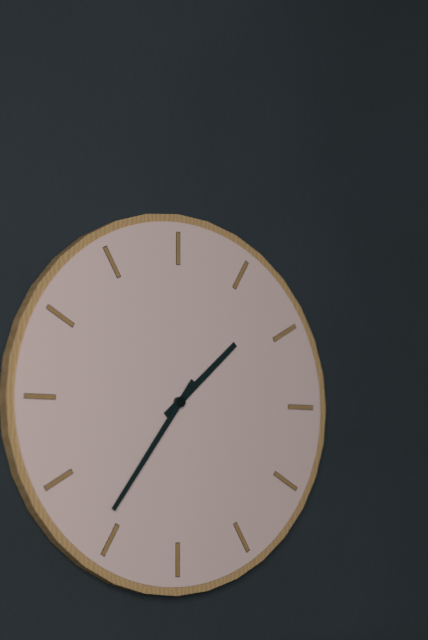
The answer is {"hour": 1, "minute": 36}
